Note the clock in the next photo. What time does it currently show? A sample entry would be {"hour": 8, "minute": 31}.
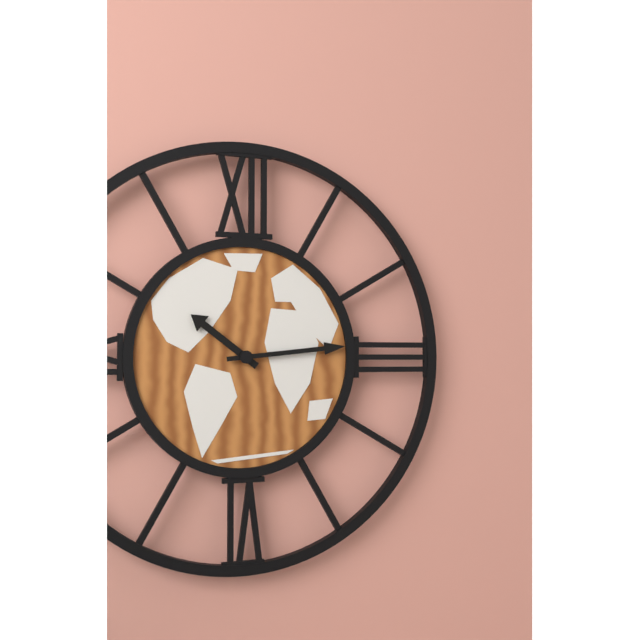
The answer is {"hour": 10, "minute": 14}
